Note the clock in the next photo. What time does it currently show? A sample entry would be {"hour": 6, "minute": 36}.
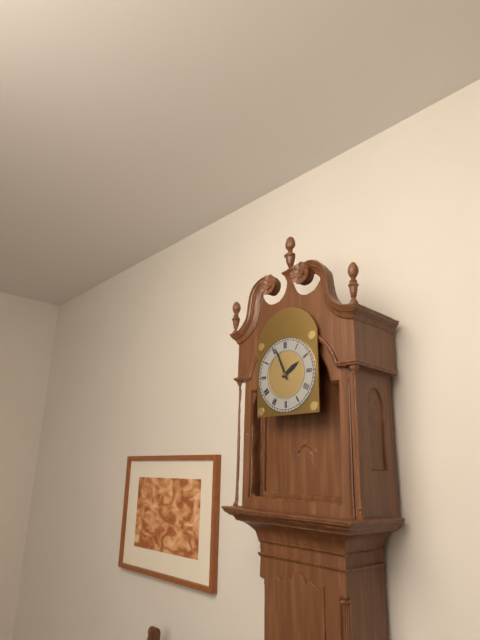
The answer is {"hour": 1, "minute": 56}
